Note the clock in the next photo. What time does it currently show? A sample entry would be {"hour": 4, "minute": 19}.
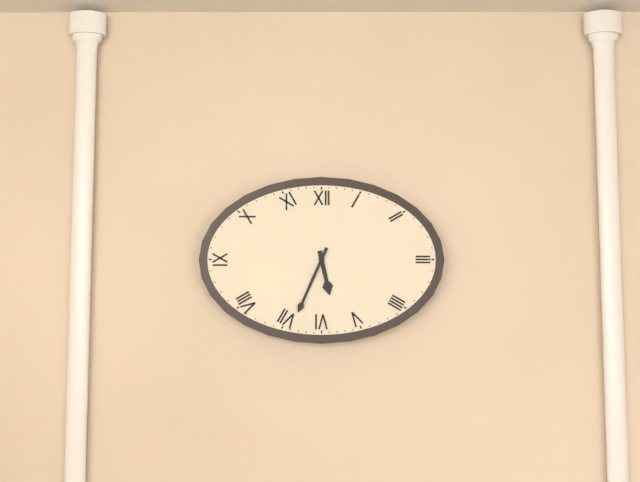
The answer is {"hour": 5, "minute": 34}
